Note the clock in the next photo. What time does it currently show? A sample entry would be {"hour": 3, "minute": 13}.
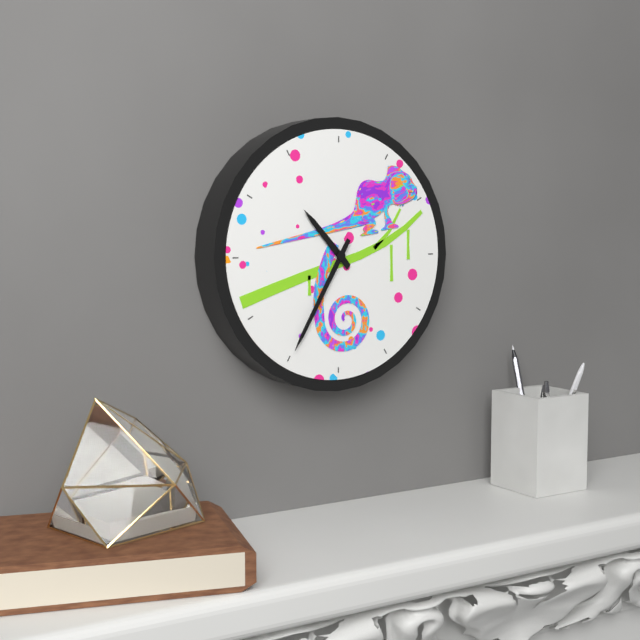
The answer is {"hour": 10, "minute": 35}
